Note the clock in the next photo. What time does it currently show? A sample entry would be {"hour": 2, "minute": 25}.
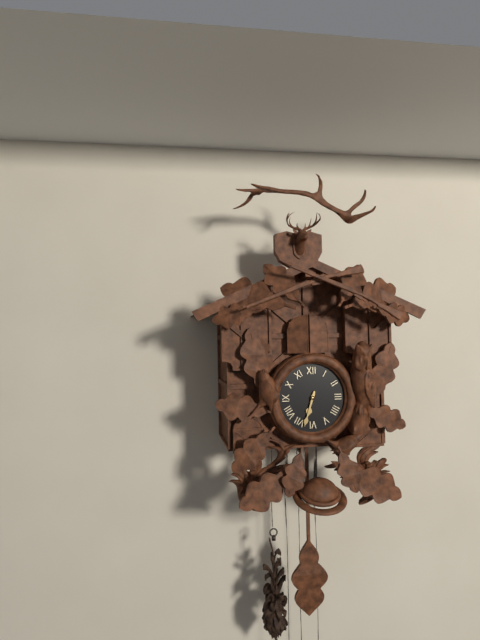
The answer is {"hour": 6, "minute": 33}
